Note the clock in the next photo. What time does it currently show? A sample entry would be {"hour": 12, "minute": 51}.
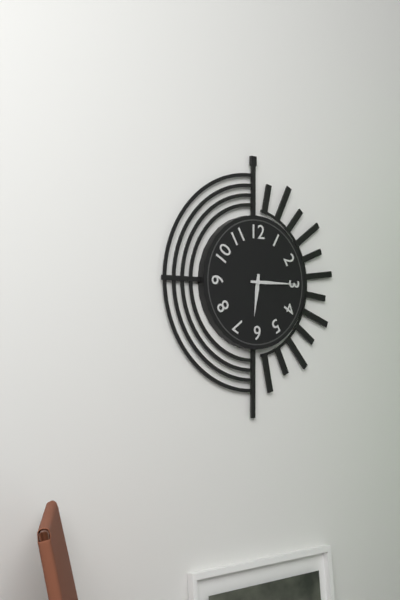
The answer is {"hour": 6, "minute": 15}
